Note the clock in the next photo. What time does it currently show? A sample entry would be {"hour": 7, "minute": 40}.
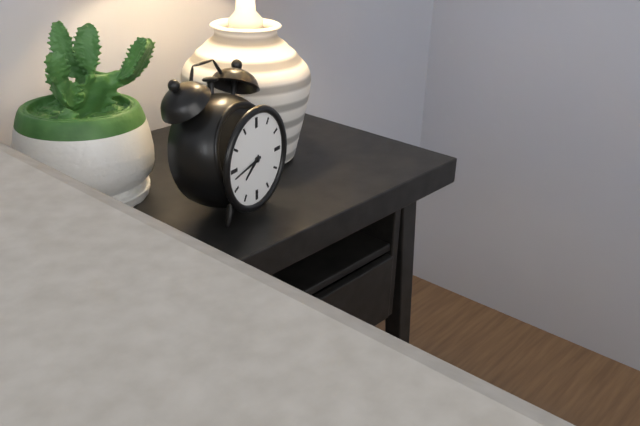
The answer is {"hour": 7, "minute": 43}
